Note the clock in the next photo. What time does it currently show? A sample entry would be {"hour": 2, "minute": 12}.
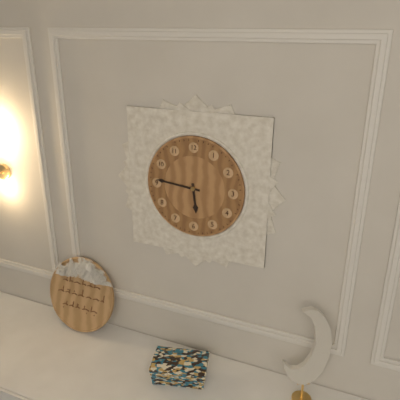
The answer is {"hour": 5, "minute": 46}
